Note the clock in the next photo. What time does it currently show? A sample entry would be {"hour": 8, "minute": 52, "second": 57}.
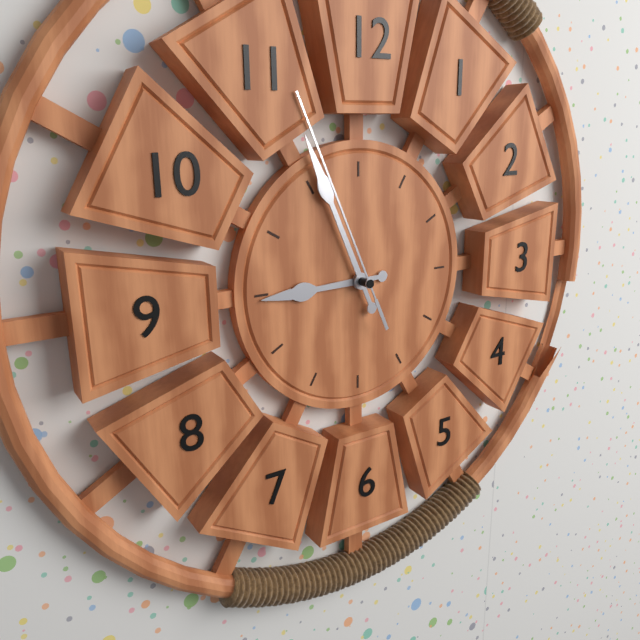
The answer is {"hour": 8, "minute": 56, "second": 56}
